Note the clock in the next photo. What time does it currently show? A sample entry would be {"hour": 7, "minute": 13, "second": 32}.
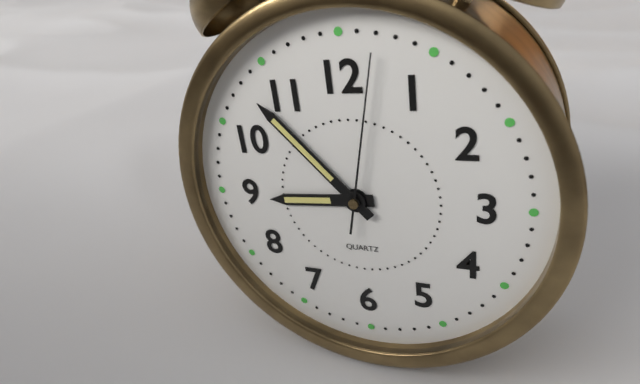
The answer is {"hour": 8, "minute": 53, "second": 2}
